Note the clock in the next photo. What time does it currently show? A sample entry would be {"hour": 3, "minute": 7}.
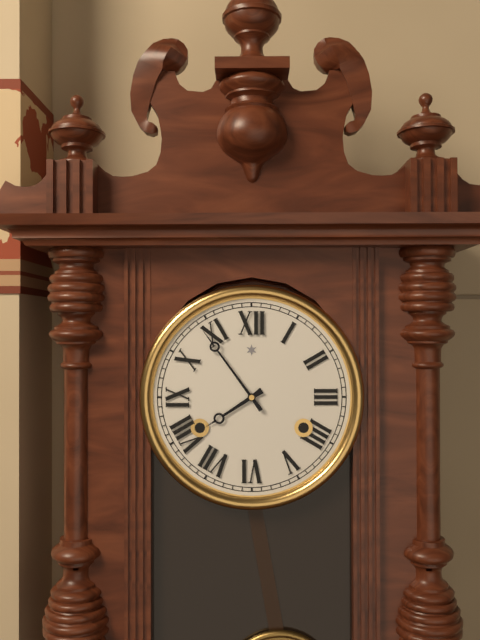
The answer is {"hour": 7, "minute": 54}
